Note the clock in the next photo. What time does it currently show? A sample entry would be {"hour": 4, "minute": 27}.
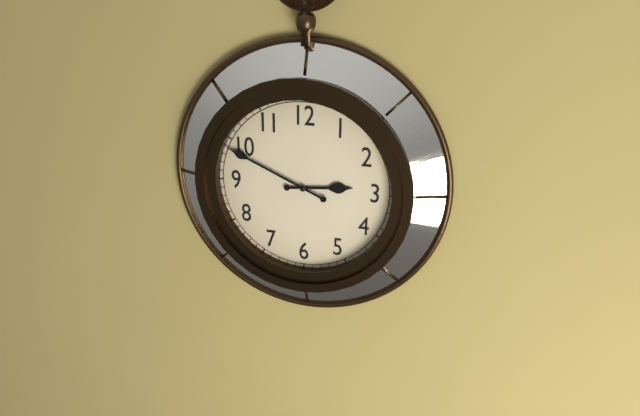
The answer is {"hour": 2, "minute": 49}
